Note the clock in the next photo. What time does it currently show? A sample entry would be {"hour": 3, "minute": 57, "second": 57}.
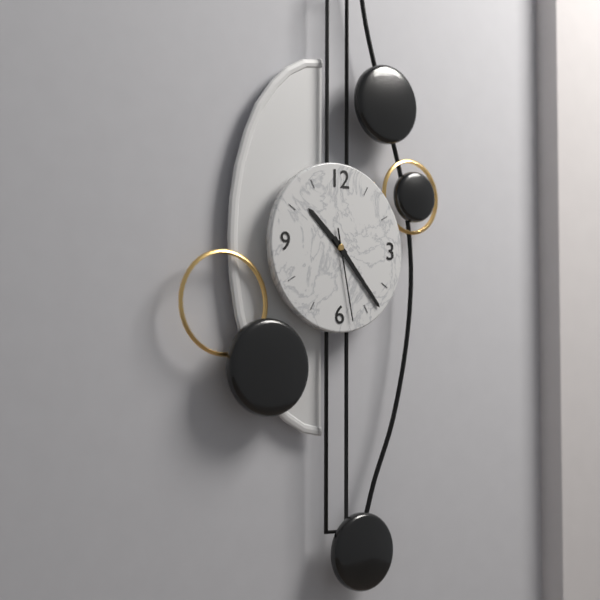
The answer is {"hour": 10, "minute": 23, "second": 28}
